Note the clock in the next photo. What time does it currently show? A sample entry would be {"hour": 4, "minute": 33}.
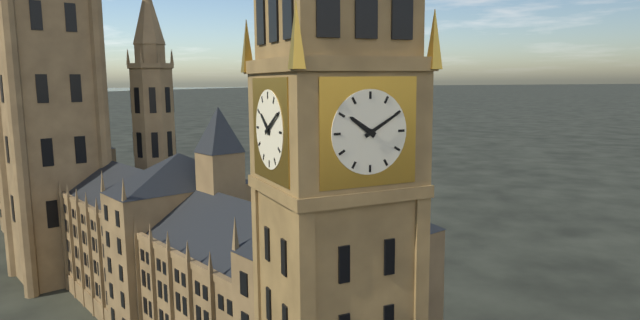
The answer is {"hour": 10, "minute": 10}
